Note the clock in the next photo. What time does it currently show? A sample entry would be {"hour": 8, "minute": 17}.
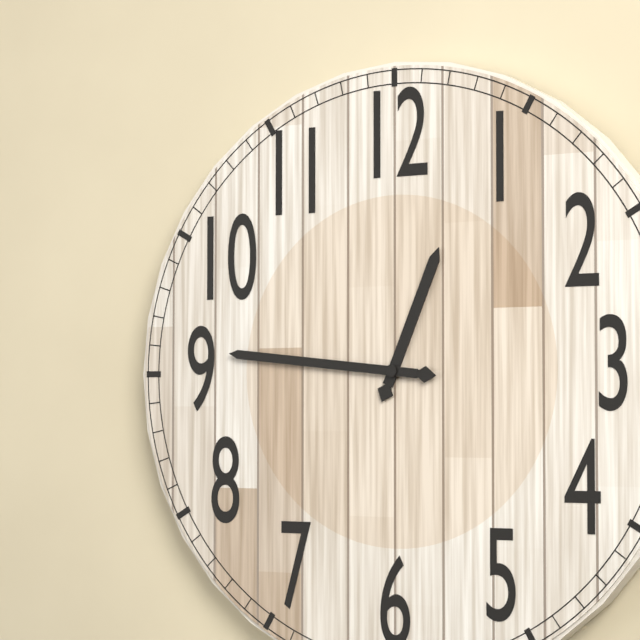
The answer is {"hour": 12, "minute": 46}
